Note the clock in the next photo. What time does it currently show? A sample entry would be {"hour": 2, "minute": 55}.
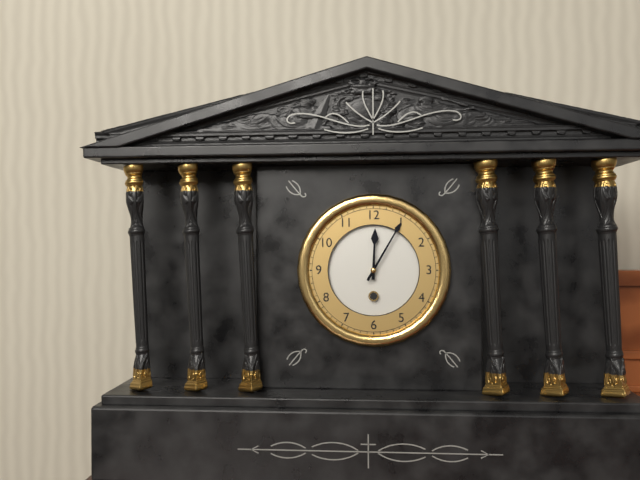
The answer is {"hour": 12, "minute": 5}
